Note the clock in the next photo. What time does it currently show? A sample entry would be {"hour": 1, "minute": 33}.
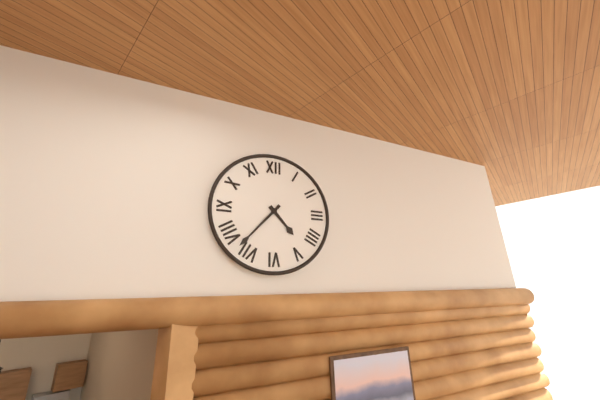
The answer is {"hour": 4, "minute": 37}
